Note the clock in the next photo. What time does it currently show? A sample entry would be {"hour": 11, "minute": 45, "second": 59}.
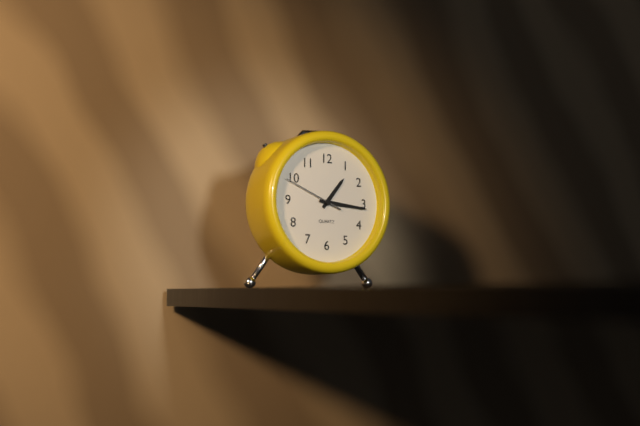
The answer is {"hour": 1, "minute": 16, "second": 49}
